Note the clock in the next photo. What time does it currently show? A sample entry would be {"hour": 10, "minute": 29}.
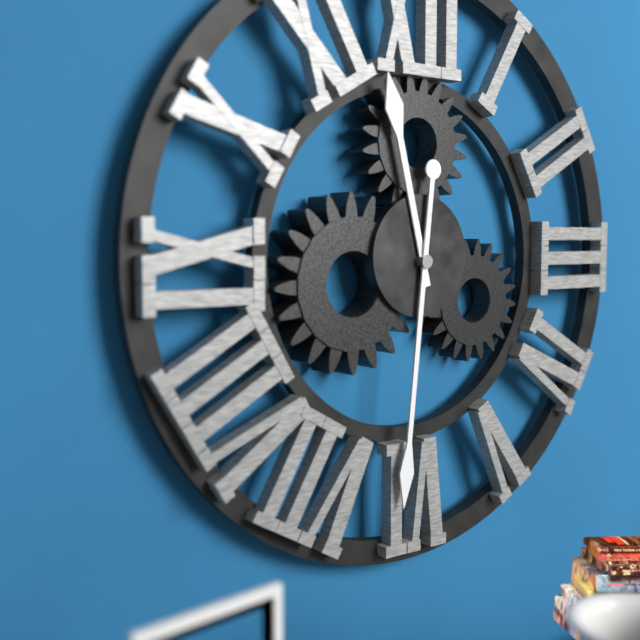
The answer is {"hour": 11, "minute": 31}
